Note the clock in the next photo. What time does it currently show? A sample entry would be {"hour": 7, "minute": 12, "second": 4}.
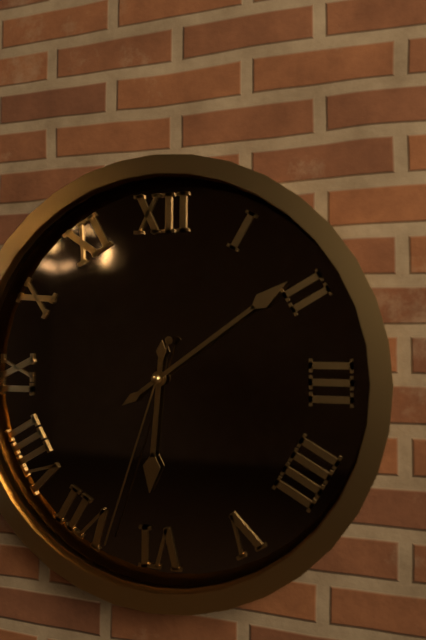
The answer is {"hour": 6, "minute": 9, "second": 33}
